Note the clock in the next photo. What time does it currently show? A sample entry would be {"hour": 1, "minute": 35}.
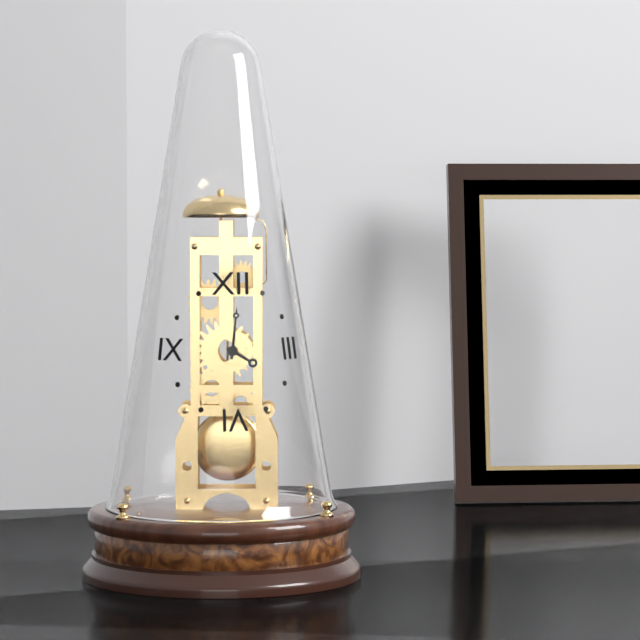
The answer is {"hour": 4, "minute": 1}
